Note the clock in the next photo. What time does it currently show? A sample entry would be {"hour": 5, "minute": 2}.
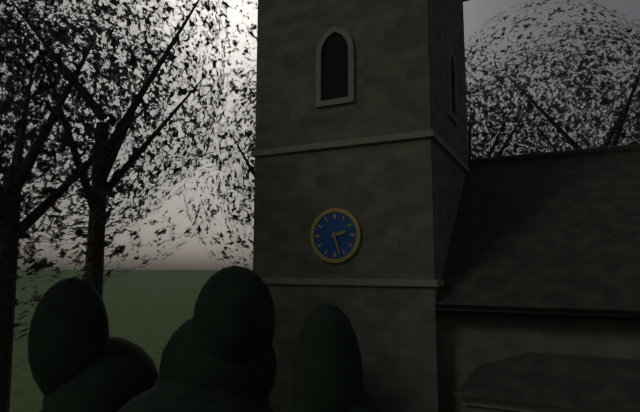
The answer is {"hour": 2, "minute": 27}
